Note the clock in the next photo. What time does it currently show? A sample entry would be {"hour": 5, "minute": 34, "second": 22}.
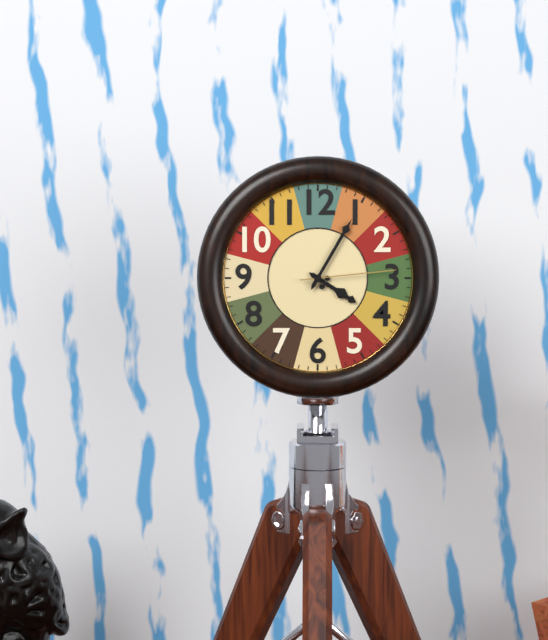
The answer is {"hour": 4, "minute": 5, "second": 14}
